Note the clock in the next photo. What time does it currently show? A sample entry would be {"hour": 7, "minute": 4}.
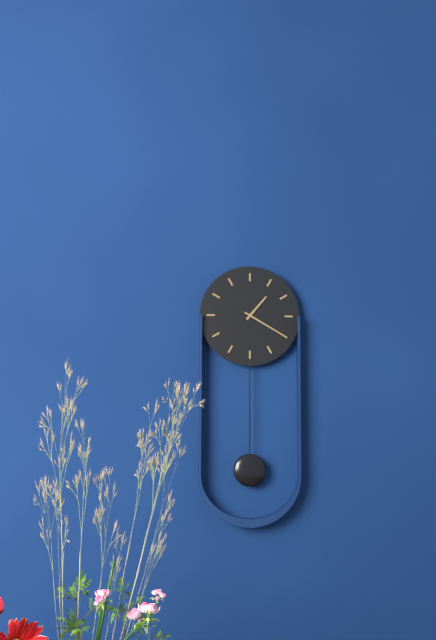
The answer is {"hour": 1, "minute": 20}
